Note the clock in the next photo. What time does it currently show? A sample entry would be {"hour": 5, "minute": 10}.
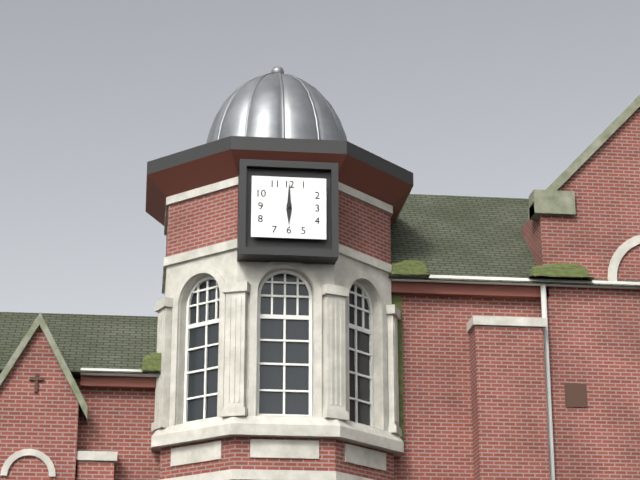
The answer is {"hour": 6, "minute": 0}
